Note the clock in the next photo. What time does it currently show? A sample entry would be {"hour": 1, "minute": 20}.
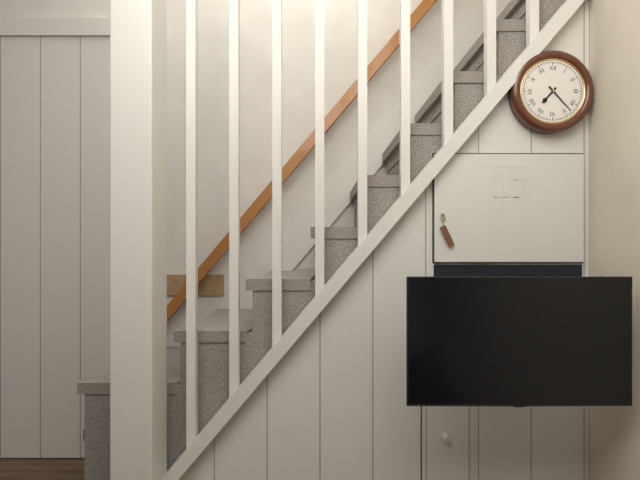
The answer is {"hour": 7, "minute": 23}
